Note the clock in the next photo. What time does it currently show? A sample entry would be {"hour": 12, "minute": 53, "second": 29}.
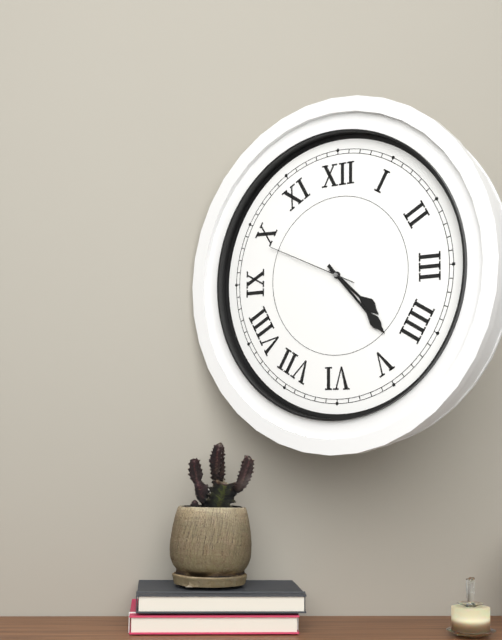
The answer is {"hour": 4, "minute": 23, "second": 49}
